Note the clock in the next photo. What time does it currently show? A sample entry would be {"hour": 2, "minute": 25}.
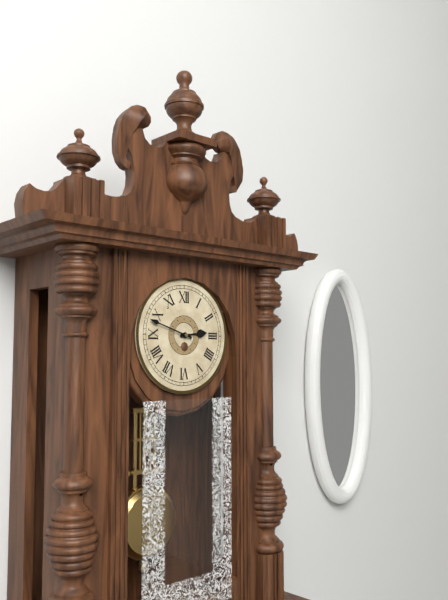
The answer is {"hour": 2, "minute": 48}
